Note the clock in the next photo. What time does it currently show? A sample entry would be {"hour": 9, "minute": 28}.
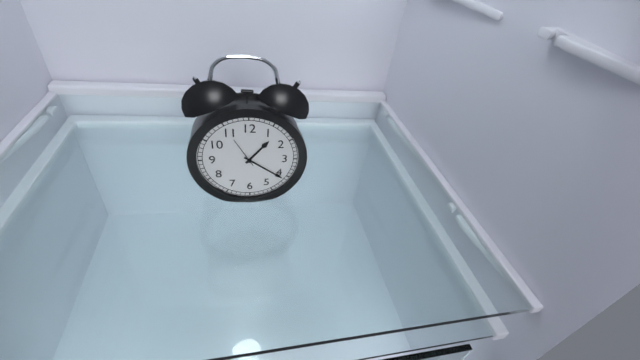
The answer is {"hour": 1, "minute": 21}
